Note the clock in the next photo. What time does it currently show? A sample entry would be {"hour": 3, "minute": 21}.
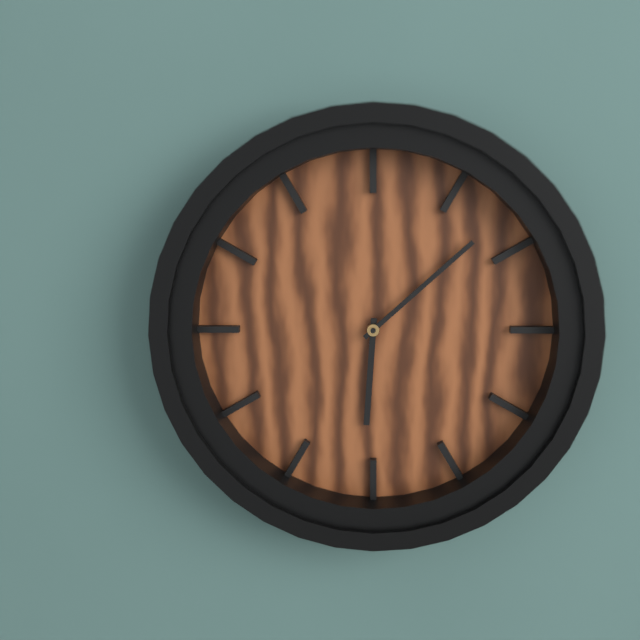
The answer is {"hour": 6, "minute": 8}
